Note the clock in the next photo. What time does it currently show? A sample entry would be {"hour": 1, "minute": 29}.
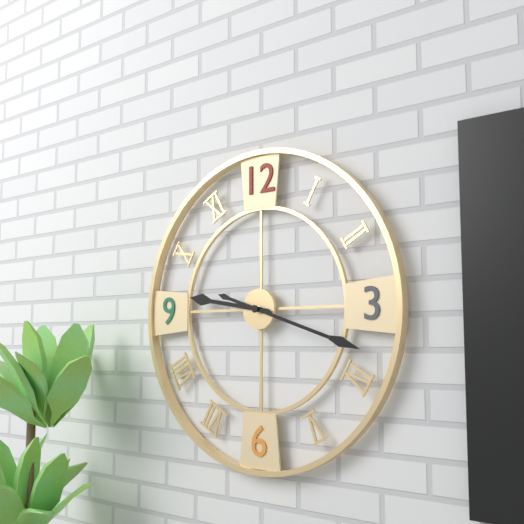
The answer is {"hour": 9, "minute": 18}
